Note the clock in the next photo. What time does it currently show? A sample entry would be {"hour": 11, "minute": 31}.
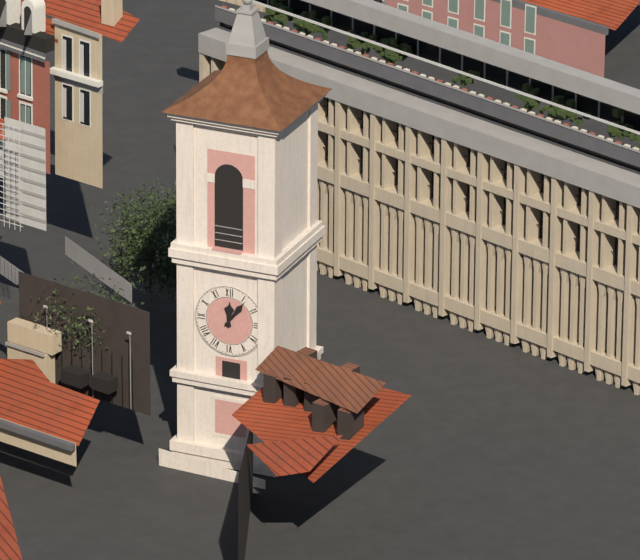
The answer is {"hour": 12, "minute": 6}
